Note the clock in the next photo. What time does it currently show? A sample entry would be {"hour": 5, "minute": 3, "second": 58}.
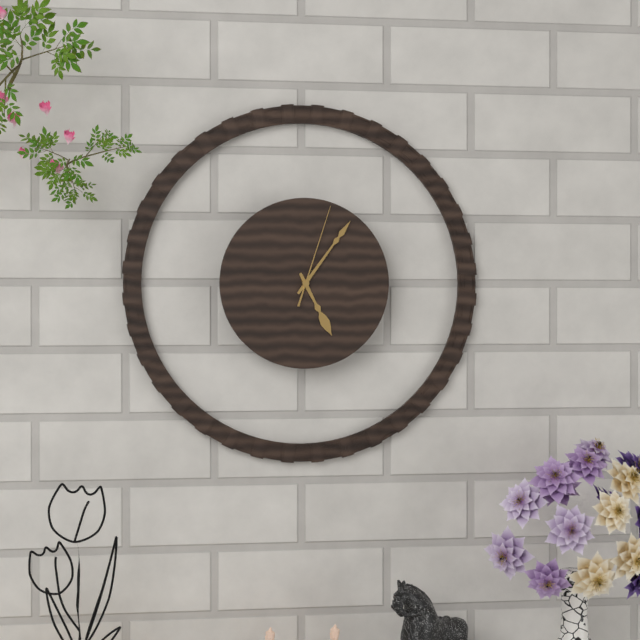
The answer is {"hour": 5, "minute": 6, "second": 3}
